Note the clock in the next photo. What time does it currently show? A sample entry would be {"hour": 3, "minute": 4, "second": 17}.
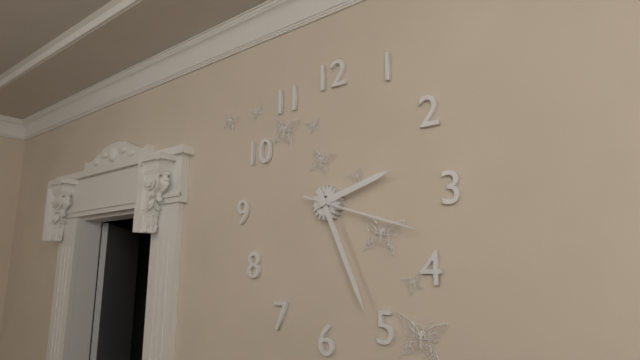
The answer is {"hour": 2, "minute": 26, "second": 18}
